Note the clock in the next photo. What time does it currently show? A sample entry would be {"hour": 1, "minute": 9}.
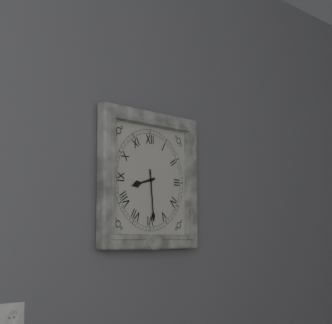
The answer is {"hour": 8, "minute": 29}
